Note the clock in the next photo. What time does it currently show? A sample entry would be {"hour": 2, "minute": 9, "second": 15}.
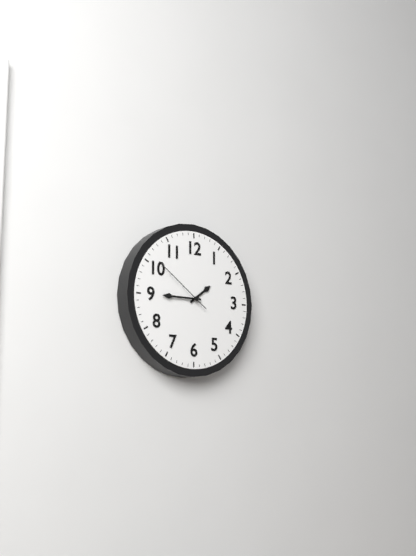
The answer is {"hour": 1, "minute": 45, "second": 51}
